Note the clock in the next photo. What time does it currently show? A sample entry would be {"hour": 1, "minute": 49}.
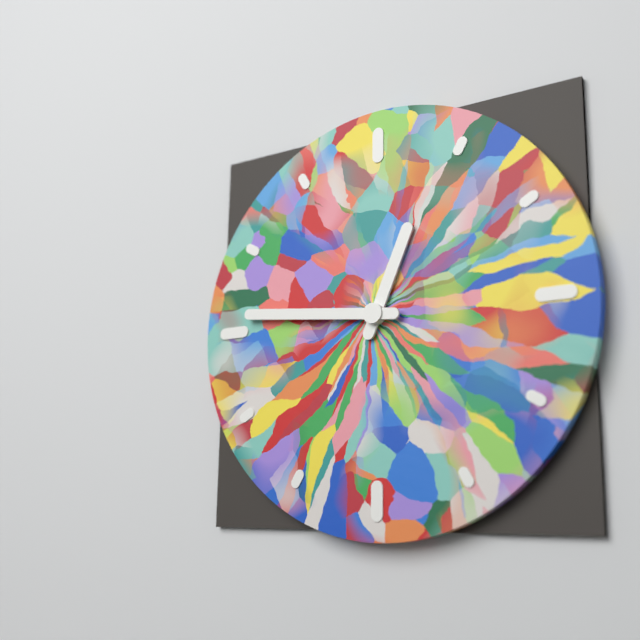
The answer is {"hour": 12, "minute": 46}
